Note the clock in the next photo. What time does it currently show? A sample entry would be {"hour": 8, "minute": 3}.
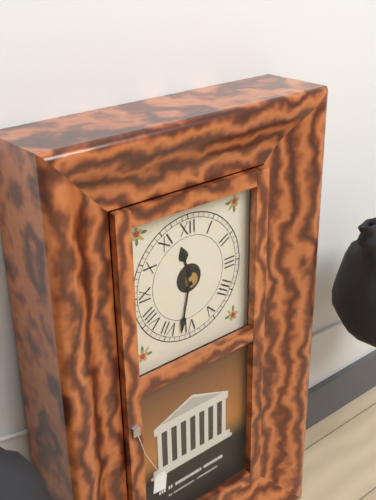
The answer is {"hour": 11, "minute": 32}
